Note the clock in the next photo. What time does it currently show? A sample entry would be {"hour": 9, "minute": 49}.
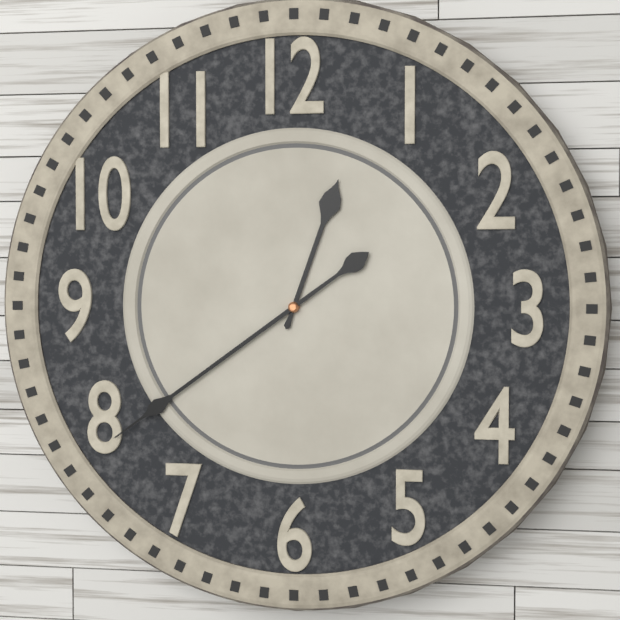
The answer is {"hour": 12, "minute": 39}
